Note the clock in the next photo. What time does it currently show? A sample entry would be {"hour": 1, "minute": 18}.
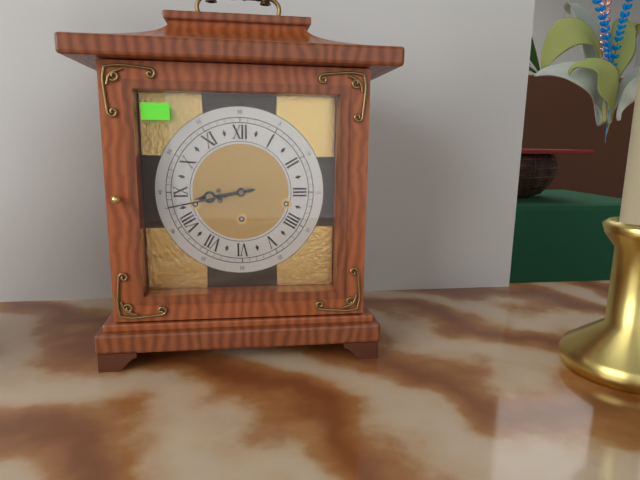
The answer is {"hour": 8, "minute": 43}
